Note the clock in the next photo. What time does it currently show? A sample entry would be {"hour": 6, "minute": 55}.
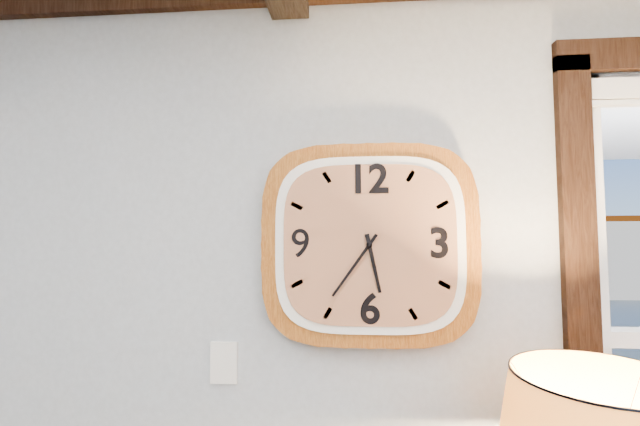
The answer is {"hour": 5, "minute": 36}
